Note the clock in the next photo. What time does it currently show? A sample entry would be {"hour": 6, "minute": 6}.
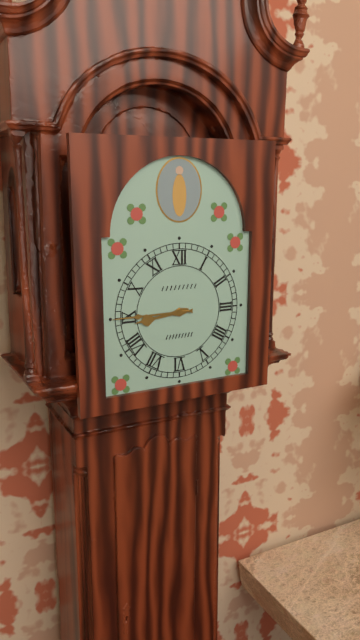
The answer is {"hour": 8, "minute": 45}
